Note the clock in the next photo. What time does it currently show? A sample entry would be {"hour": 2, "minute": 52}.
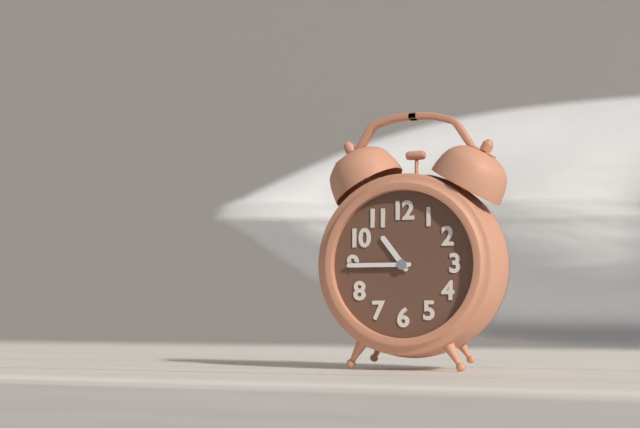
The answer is {"hour": 10, "minute": 45}
